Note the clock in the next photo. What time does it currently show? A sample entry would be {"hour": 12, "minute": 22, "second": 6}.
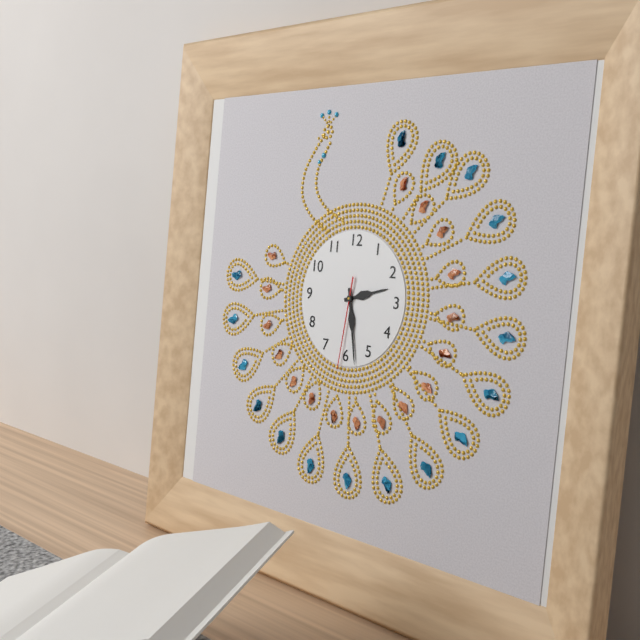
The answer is {"hour": 2, "minute": 28, "second": 31}
